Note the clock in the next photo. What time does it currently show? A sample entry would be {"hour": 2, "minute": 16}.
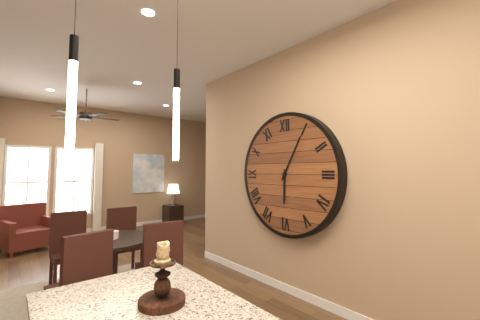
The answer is {"hour": 6, "minute": 5}
